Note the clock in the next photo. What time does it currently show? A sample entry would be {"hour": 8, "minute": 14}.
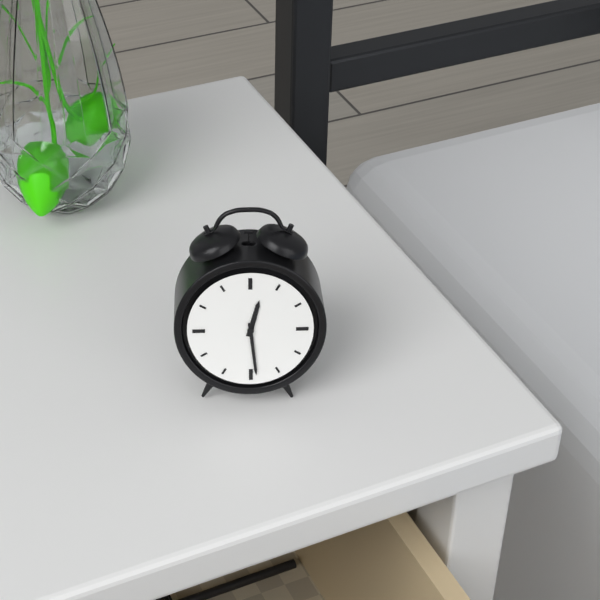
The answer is {"hour": 12, "minute": 29}
